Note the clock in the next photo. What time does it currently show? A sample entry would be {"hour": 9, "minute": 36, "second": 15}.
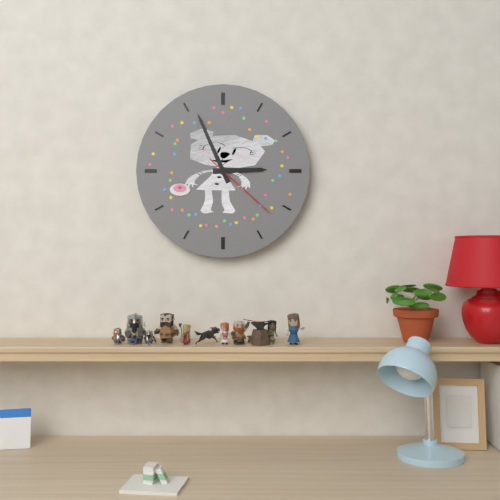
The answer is {"hour": 2, "minute": 56, "second": 22}
